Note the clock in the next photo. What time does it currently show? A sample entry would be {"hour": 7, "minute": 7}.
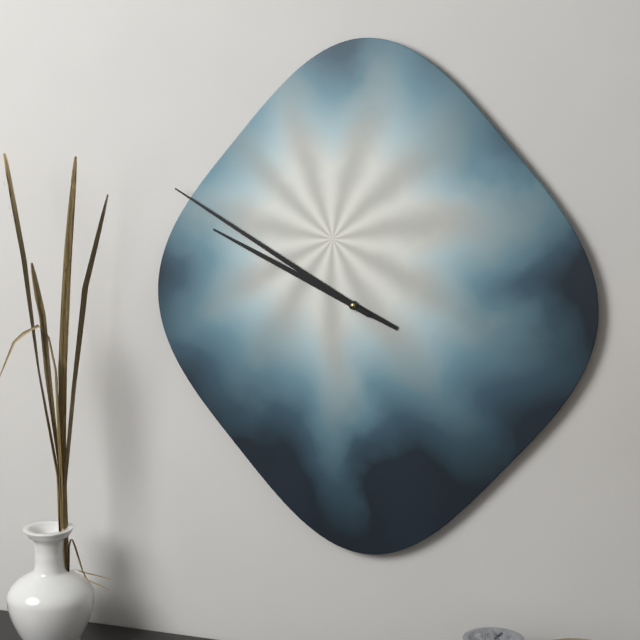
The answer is {"hour": 9, "minute": 50}
